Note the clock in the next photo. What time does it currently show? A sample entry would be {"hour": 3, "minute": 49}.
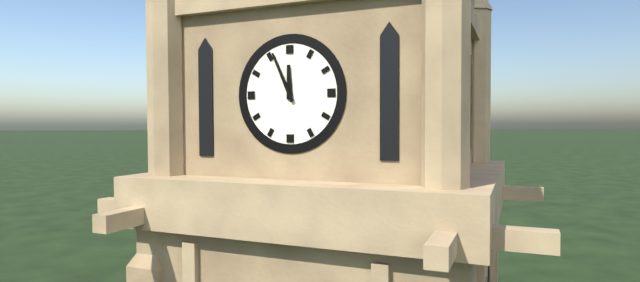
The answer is {"hour": 11, "minute": 56}
